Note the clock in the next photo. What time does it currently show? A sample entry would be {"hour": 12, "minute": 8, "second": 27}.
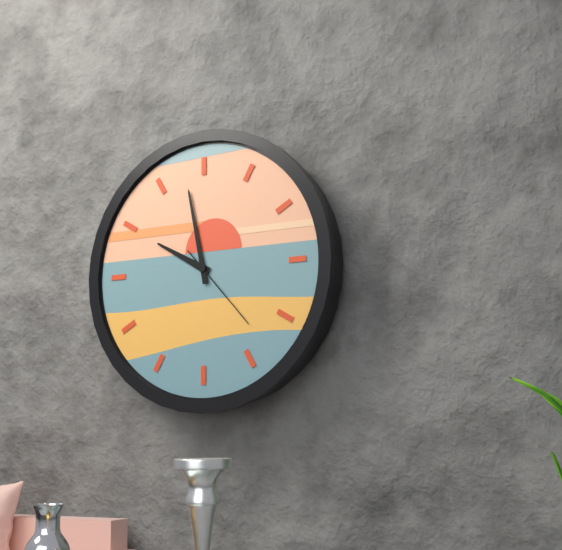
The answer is {"hour": 9, "minute": 58, "second": 23}
